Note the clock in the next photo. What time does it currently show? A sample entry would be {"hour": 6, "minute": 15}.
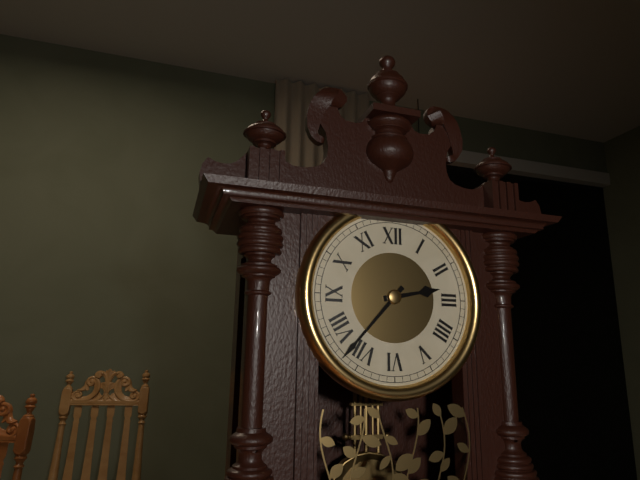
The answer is {"hour": 2, "minute": 37}
